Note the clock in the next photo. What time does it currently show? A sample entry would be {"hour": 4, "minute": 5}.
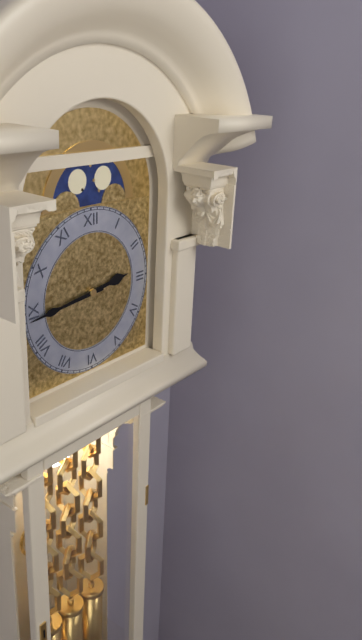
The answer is {"hour": 2, "minute": 44}
